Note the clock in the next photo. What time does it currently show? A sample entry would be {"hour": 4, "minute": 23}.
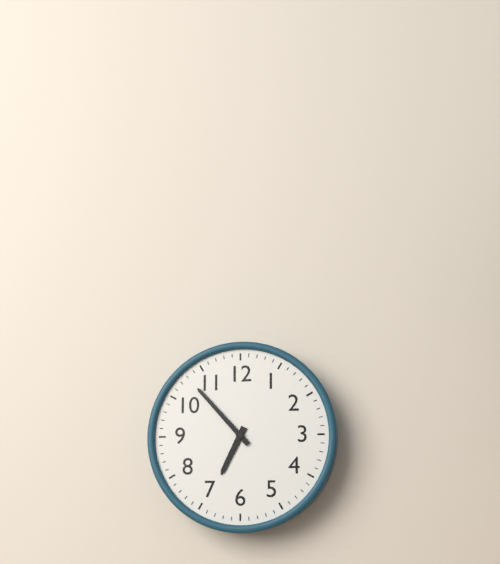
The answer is {"hour": 6, "minute": 53}
